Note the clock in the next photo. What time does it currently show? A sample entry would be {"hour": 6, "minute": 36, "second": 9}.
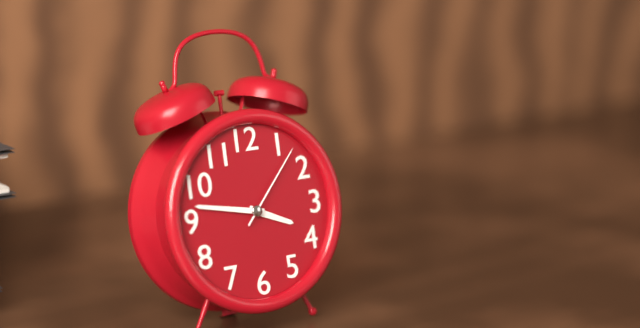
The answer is {"hour": 3, "minute": 47, "second": 7}
